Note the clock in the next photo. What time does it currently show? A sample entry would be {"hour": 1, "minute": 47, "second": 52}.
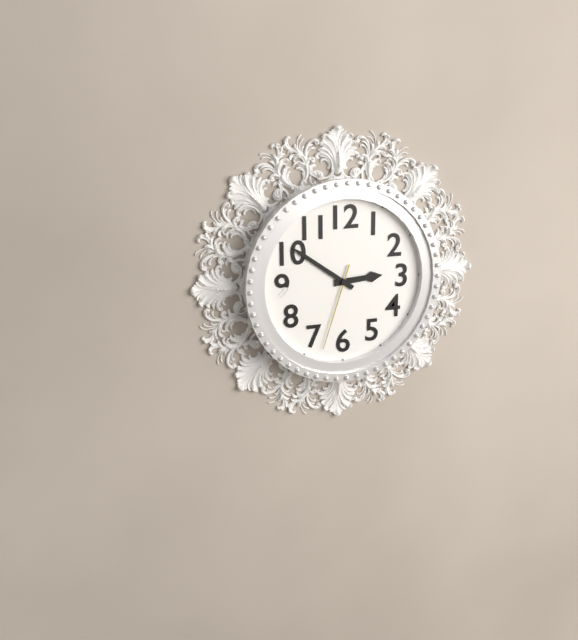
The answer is {"hour": 2, "minute": 51, "second": 33}
